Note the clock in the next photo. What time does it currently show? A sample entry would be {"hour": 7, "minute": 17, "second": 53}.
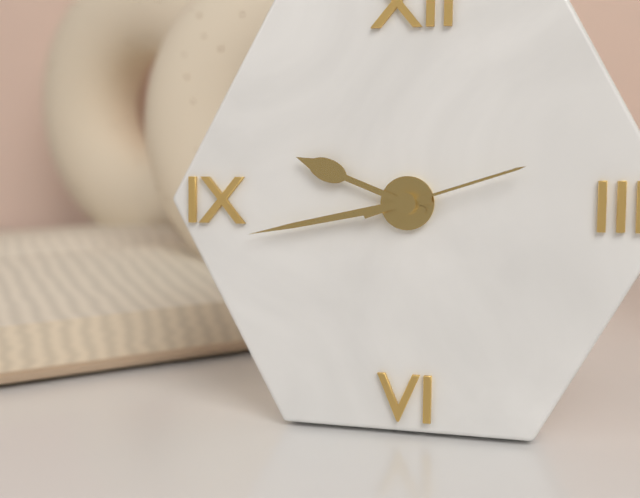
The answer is {"hour": 9, "minute": 43, "second": 12}
